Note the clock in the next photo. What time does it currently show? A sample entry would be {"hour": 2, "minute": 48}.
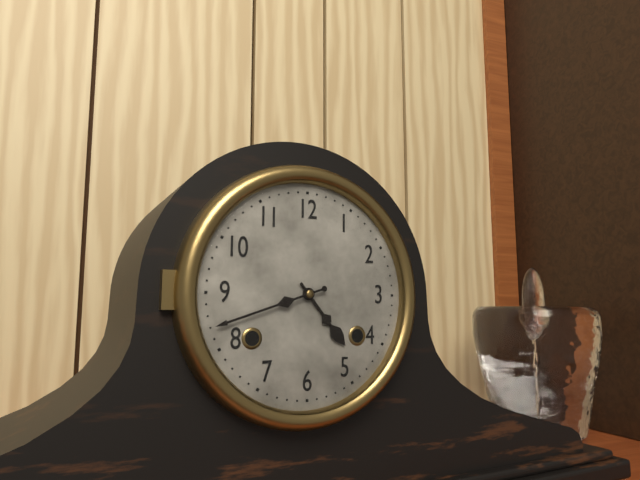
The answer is {"hour": 4, "minute": 42}
